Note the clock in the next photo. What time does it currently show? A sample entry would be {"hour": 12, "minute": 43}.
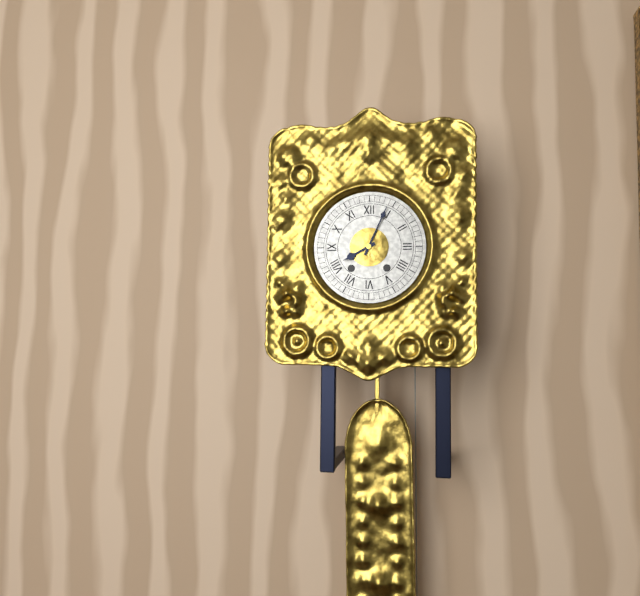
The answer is {"hour": 8, "minute": 4}
